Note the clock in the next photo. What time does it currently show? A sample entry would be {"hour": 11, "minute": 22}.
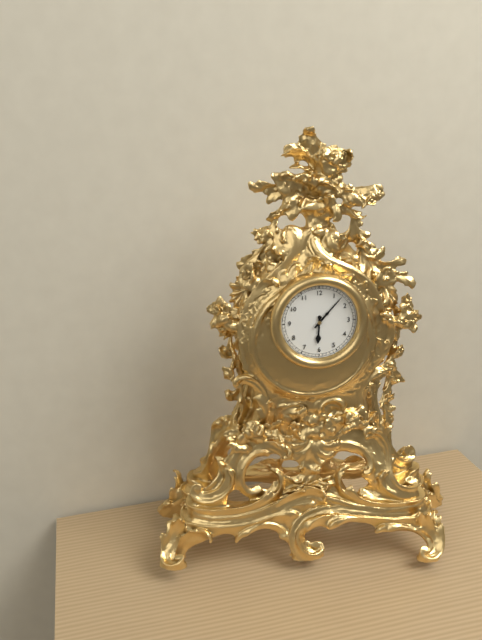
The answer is {"hour": 6, "minute": 7}
